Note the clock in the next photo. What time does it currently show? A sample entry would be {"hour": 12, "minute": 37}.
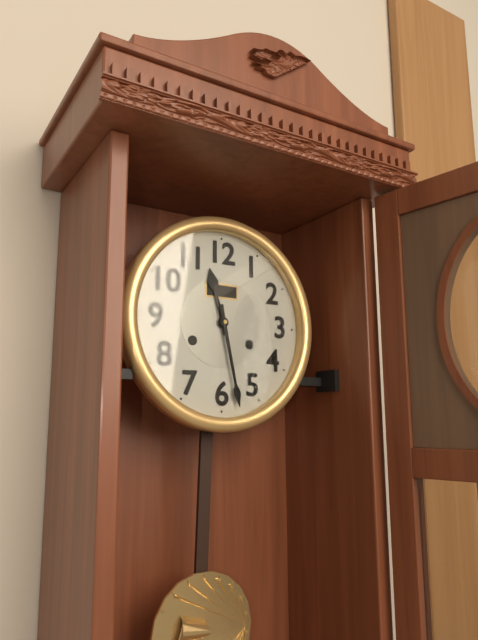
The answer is {"hour": 11, "minute": 28}
